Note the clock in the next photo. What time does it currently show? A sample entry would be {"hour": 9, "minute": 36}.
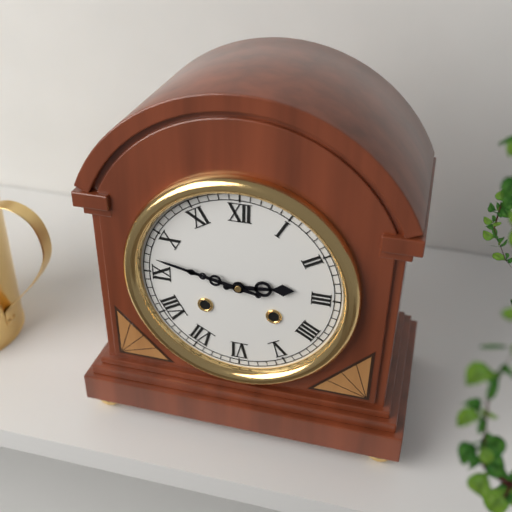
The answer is {"hour": 2, "minute": 47}
